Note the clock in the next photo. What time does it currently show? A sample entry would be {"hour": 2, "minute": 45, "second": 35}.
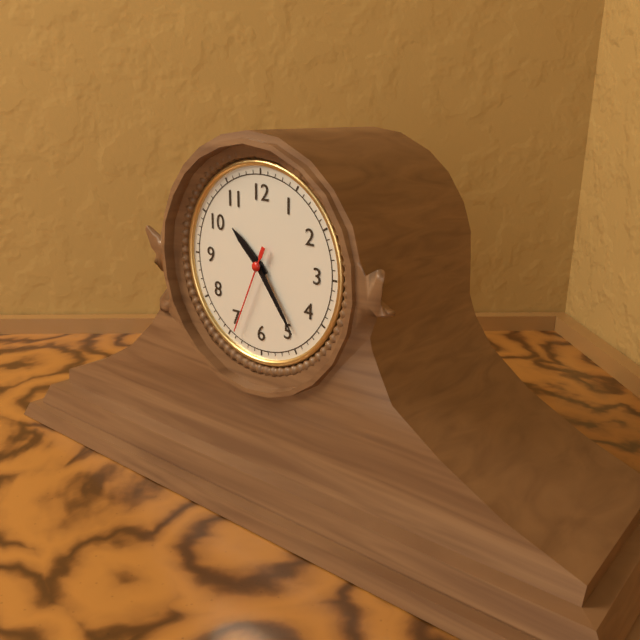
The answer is {"hour": 10, "minute": 24, "second": 34}
